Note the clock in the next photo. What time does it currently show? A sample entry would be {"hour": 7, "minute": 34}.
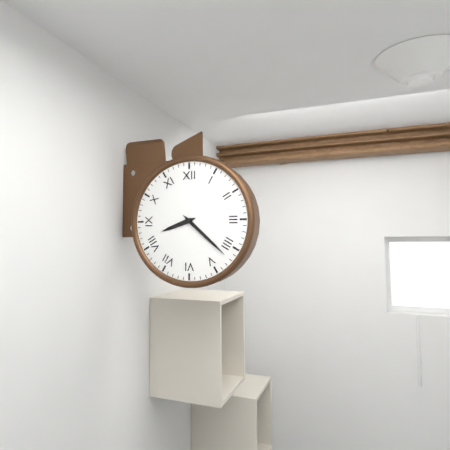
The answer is {"hour": 8, "minute": 22}
